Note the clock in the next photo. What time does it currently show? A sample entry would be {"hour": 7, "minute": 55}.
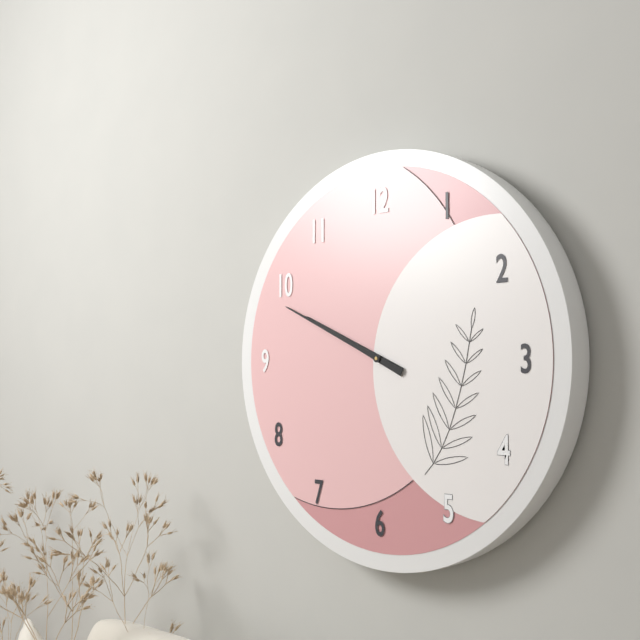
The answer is {"hour": 9, "minute": 49}
